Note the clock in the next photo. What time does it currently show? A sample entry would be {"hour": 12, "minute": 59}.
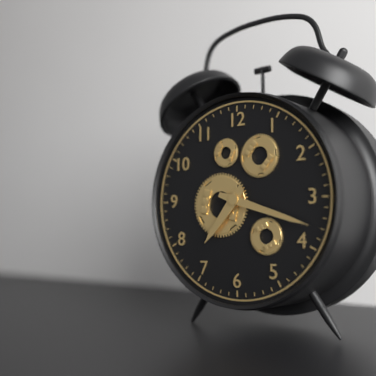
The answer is {"hour": 7, "minute": 18}
